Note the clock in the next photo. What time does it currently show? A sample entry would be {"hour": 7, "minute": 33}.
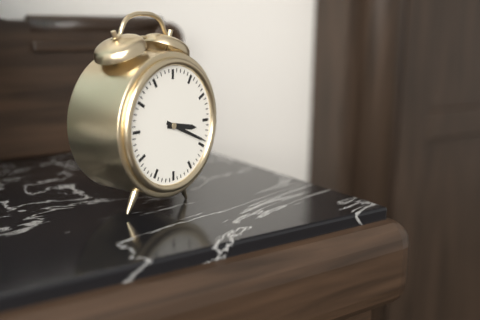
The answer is {"hour": 3, "minute": 19}
